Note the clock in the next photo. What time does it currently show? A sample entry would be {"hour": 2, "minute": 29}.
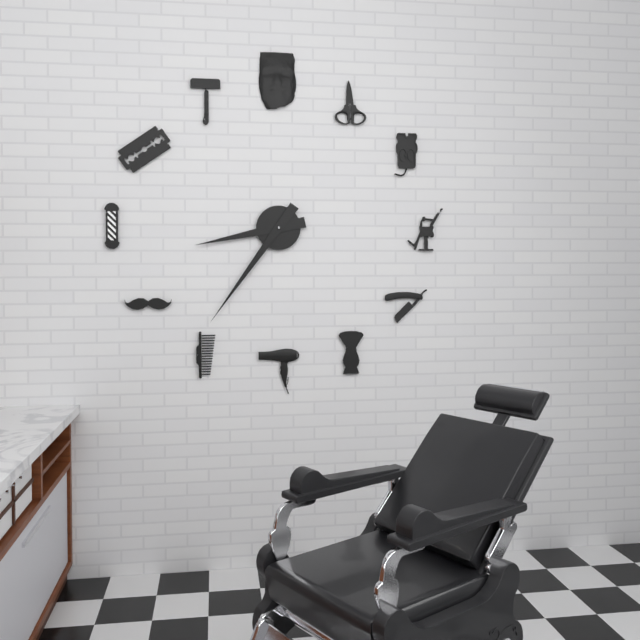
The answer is {"hour": 8, "minute": 36}
